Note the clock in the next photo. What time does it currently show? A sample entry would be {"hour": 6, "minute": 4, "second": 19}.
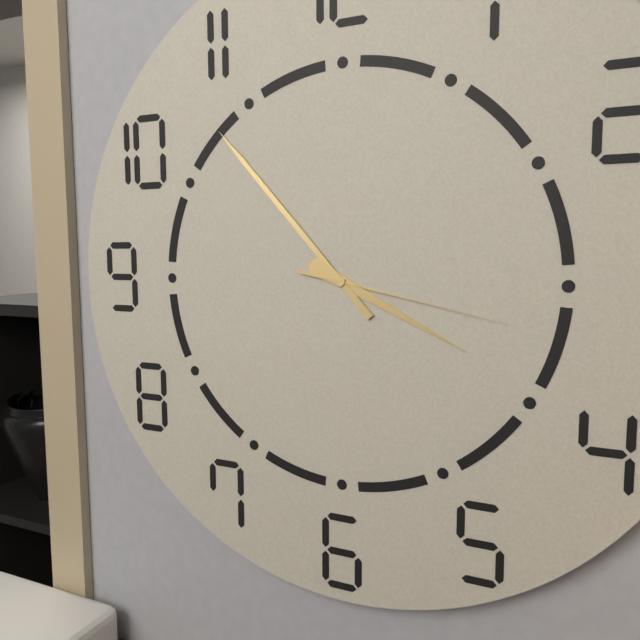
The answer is {"hour": 3, "minute": 53, "second": 17}
